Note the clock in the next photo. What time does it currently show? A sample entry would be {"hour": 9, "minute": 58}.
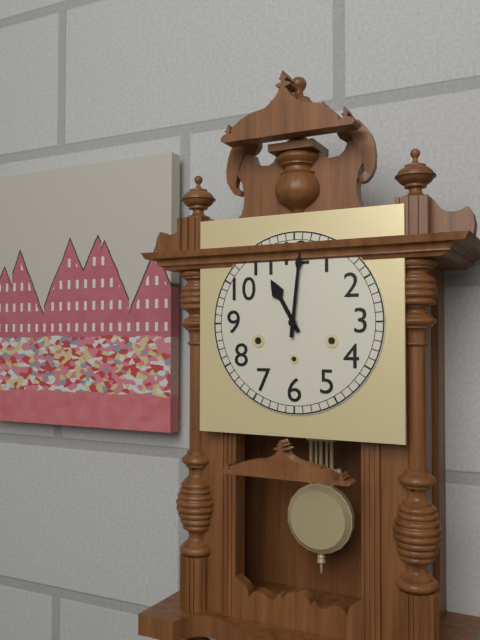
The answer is {"hour": 11, "minute": 1}
